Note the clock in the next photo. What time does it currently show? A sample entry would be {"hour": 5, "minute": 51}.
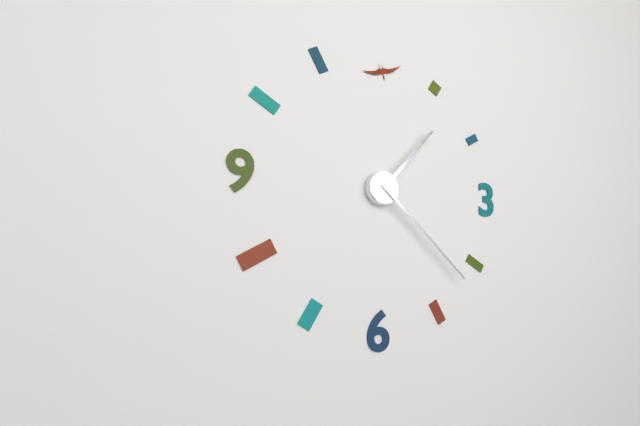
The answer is {"hour": 1, "minute": 22}
